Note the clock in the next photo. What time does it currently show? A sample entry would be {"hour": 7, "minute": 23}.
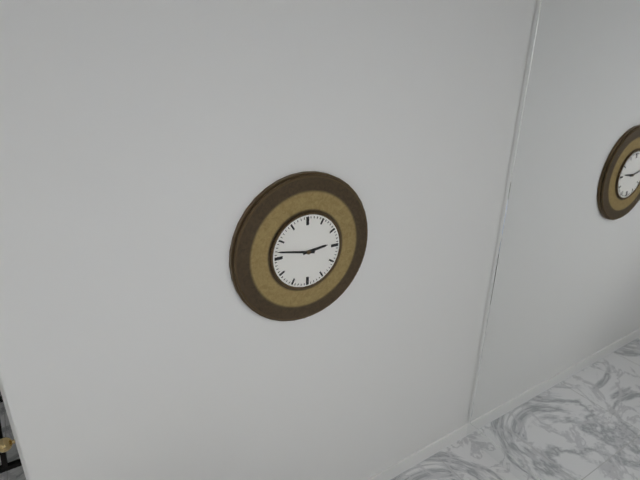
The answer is {"hour": 2, "minute": 47}
